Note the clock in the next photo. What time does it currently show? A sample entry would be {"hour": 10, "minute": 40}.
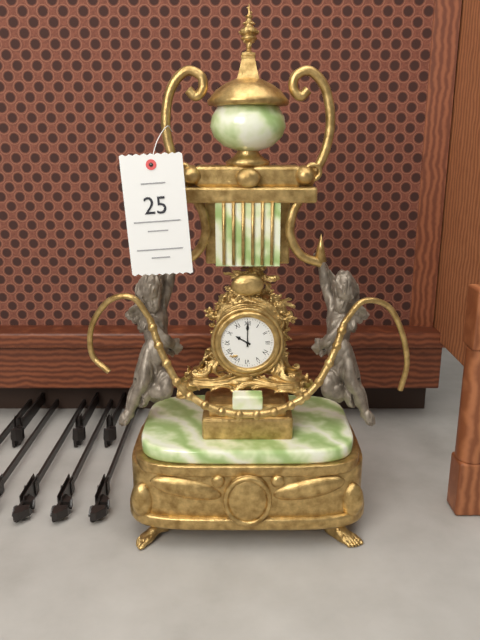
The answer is {"hour": 10, "minute": 0}
